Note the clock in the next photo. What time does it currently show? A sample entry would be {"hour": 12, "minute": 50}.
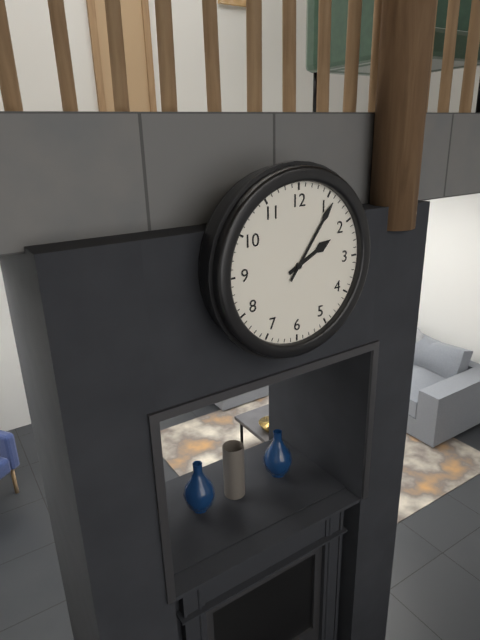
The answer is {"hour": 2, "minute": 6}
